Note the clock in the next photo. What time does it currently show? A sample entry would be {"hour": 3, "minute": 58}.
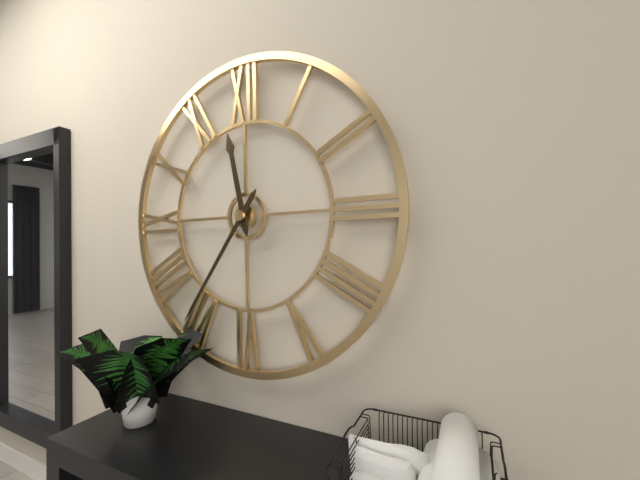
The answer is {"hour": 11, "minute": 36}
